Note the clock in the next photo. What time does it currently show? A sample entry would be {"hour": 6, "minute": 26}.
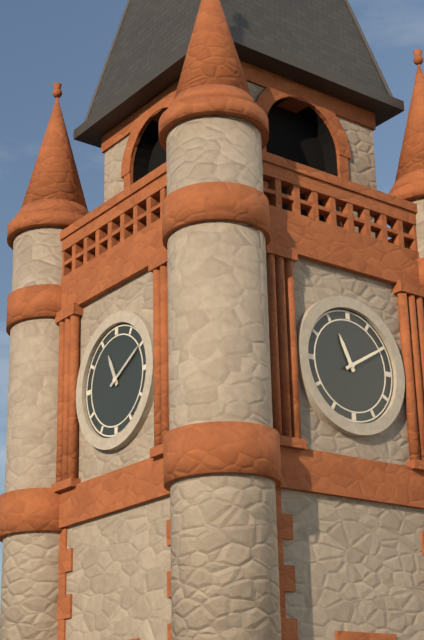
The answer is {"hour": 11, "minute": 10}
